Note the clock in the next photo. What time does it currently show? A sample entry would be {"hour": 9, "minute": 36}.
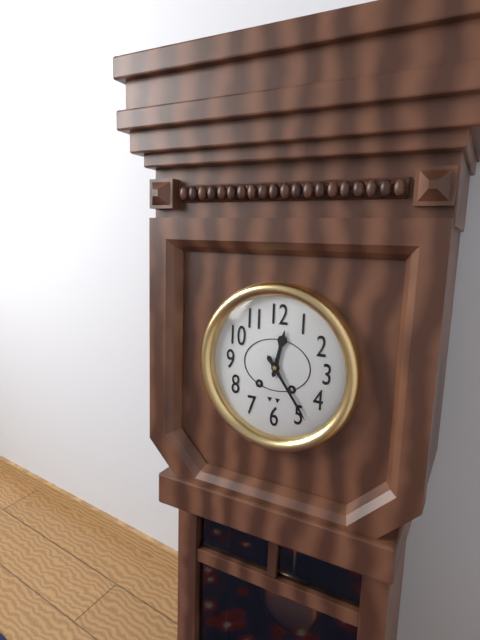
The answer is {"hour": 12, "minute": 24}
